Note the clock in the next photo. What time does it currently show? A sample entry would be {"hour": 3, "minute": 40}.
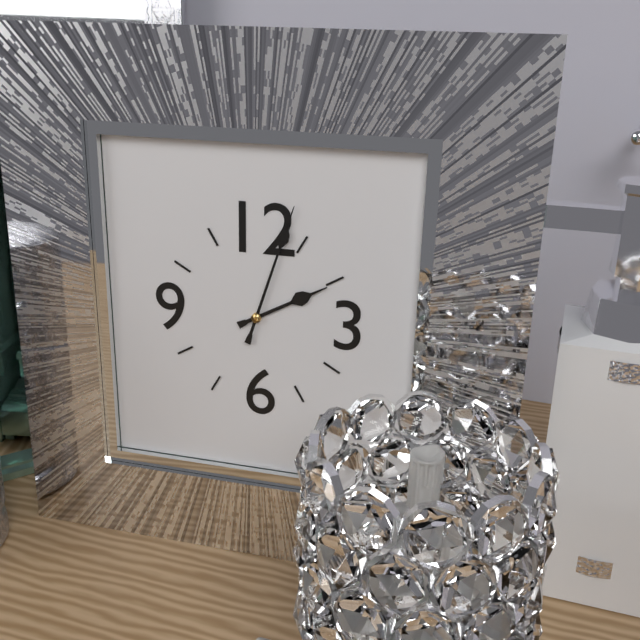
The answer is {"hour": 2, "minute": 3}
